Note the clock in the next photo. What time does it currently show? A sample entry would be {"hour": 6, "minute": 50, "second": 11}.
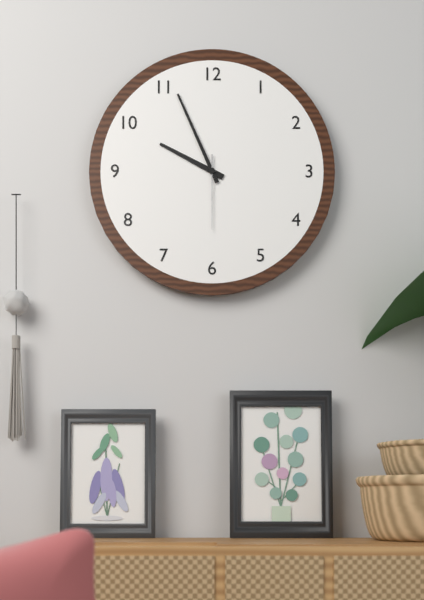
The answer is {"hour": 9, "minute": 56, "second": 30}
